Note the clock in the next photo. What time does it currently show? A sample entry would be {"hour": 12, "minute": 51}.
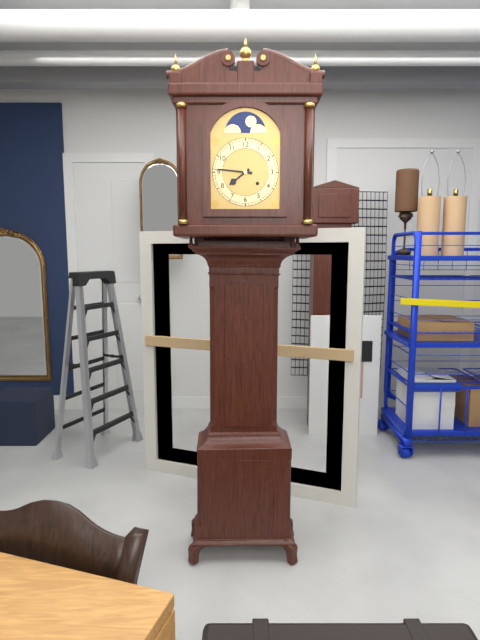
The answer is {"hour": 7, "minute": 46}
